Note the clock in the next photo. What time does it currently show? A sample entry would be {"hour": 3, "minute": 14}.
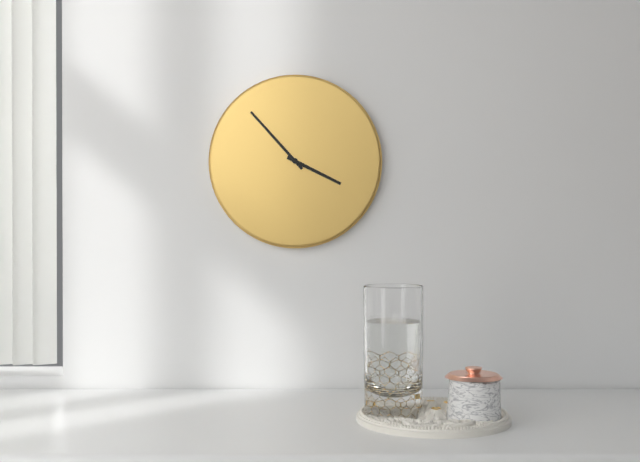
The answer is {"hour": 3, "minute": 53}
